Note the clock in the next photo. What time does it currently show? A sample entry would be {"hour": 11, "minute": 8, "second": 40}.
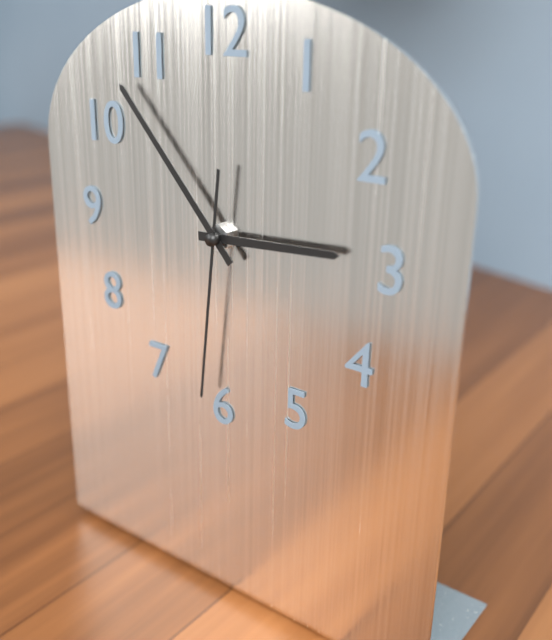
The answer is {"hour": 2, "minute": 53, "second": 31}
